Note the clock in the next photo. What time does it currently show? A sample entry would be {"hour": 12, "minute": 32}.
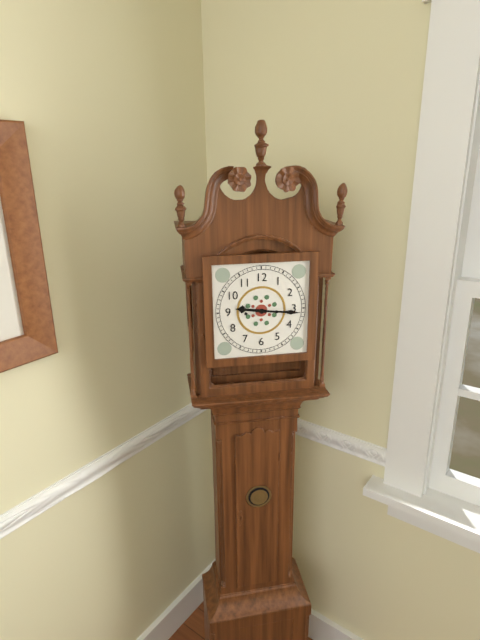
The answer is {"hour": 9, "minute": 16}
